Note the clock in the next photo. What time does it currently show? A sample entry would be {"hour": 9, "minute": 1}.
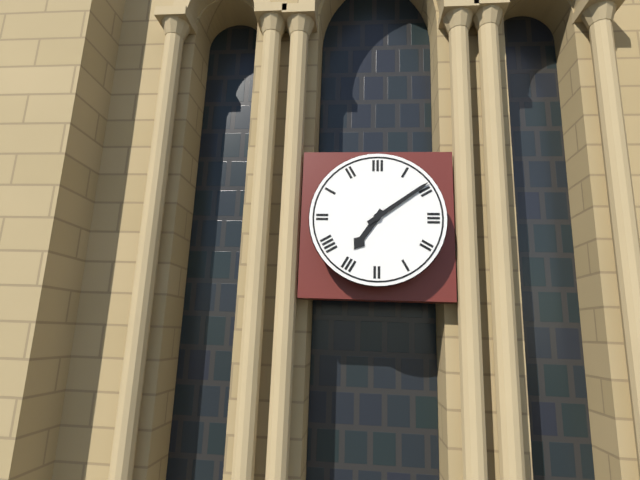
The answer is {"hour": 7, "minute": 9}
